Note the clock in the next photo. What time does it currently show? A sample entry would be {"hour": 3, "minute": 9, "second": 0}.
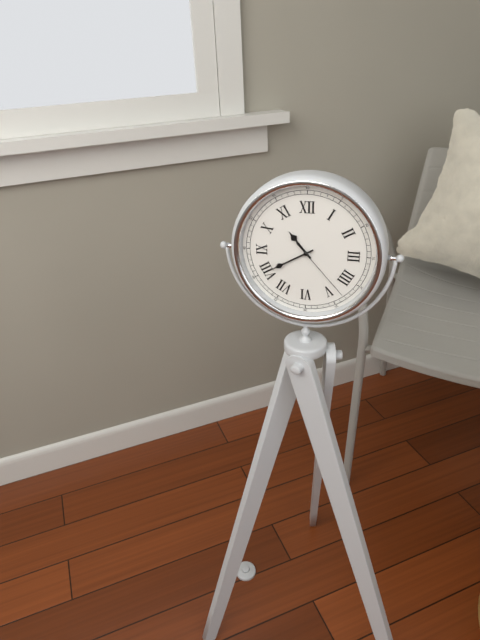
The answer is {"hour": 10, "minute": 40, "second": 23}
